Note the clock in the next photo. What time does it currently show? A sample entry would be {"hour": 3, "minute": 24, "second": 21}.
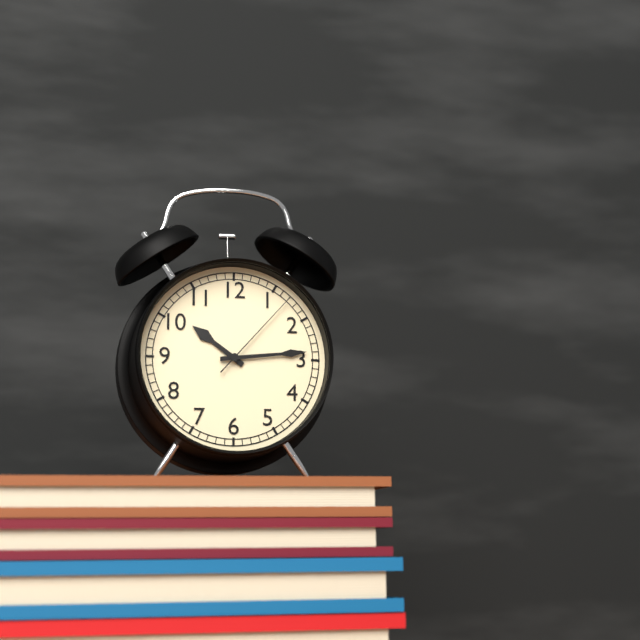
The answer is {"hour": 10, "minute": 14, "second": 7}
